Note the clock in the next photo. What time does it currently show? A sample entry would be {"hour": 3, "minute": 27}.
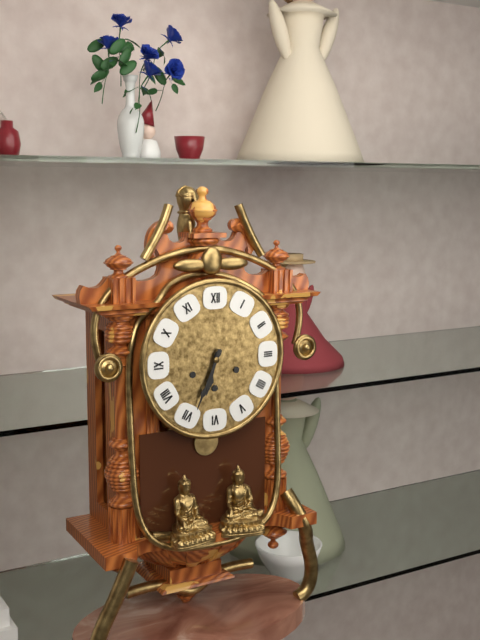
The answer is {"hour": 6, "minute": 34}
